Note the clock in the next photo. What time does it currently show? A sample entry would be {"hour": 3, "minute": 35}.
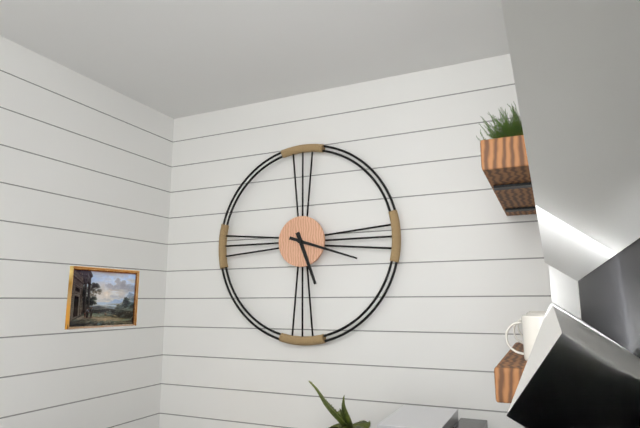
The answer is {"hour": 5, "minute": 18}
